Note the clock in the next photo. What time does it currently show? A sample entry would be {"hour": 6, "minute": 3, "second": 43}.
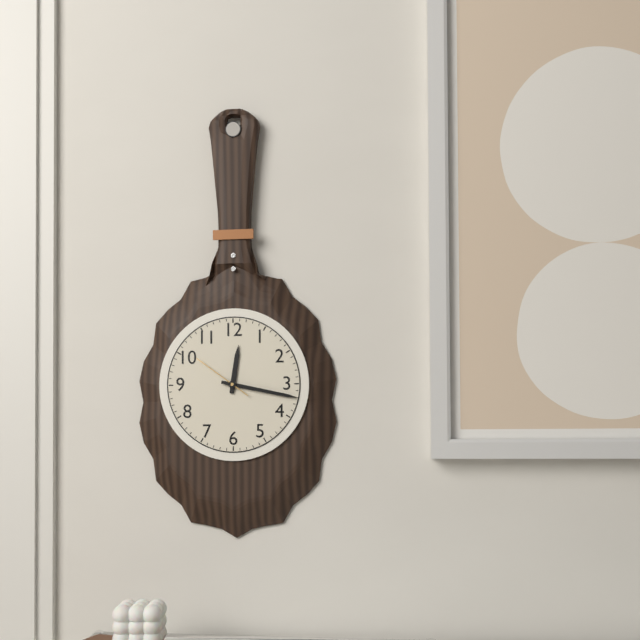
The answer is {"hour": 12, "minute": 17, "second": 51}
